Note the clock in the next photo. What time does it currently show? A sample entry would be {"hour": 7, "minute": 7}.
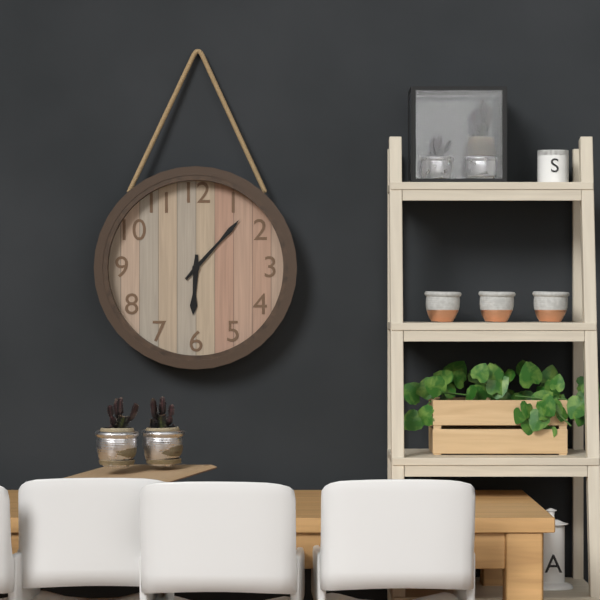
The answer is {"hour": 6, "minute": 7}
